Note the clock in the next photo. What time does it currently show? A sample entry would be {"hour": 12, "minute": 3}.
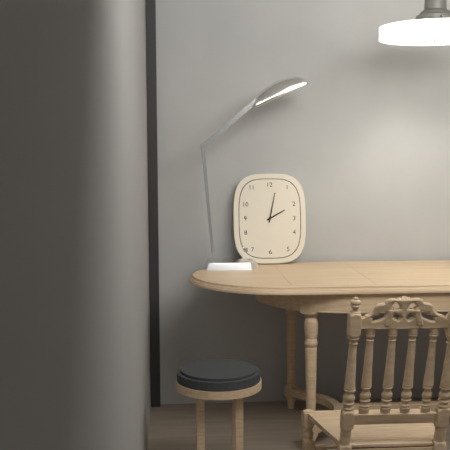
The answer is {"hour": 2, "minute": 2}
